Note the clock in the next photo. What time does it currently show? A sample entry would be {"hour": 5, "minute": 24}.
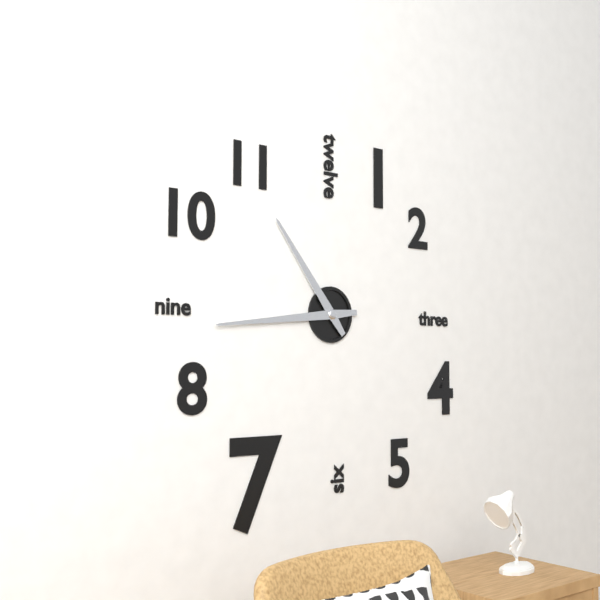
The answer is {"hour": 10, "minute": 44}
